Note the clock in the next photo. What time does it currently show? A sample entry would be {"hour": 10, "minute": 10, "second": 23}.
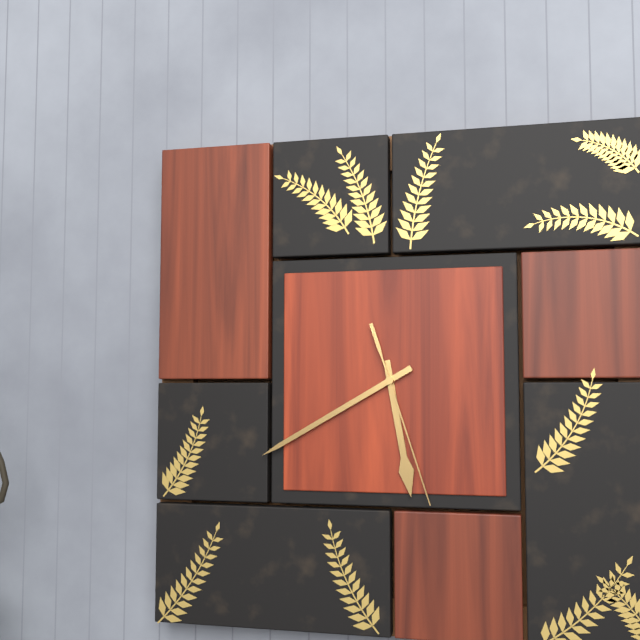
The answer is {"hour": 5, "minute": 40, "second": 27}
